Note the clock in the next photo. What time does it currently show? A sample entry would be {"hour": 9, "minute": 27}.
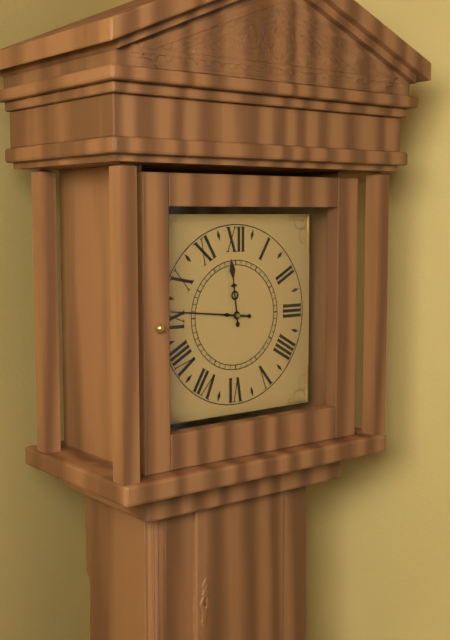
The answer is {"hour": 11, "minute": 46}
